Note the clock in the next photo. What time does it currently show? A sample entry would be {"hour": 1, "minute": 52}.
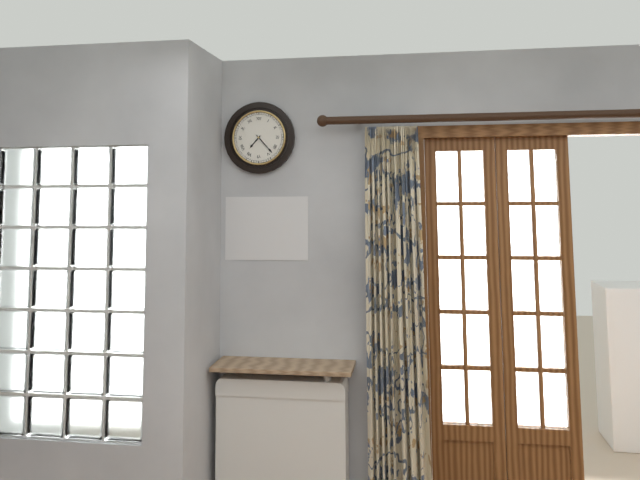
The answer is {"hour": 7, "minute": 23}
